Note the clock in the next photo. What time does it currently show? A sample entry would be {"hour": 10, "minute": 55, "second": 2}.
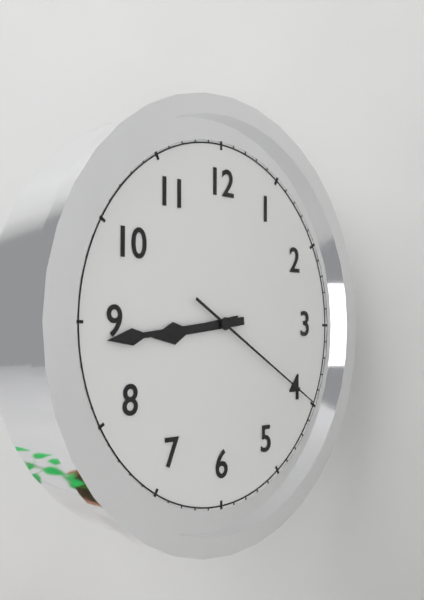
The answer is {"hour": 8, "minute": 44, "second": 20}
